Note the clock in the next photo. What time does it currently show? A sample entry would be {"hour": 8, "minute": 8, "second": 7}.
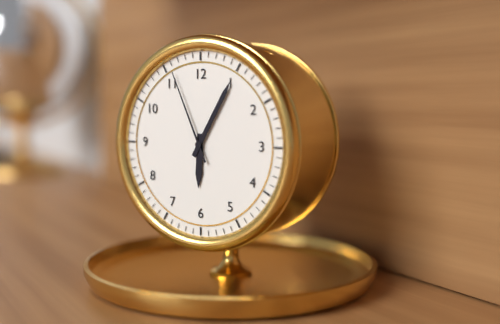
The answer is {"hour": 6, "minute": 5, "second": 56}
